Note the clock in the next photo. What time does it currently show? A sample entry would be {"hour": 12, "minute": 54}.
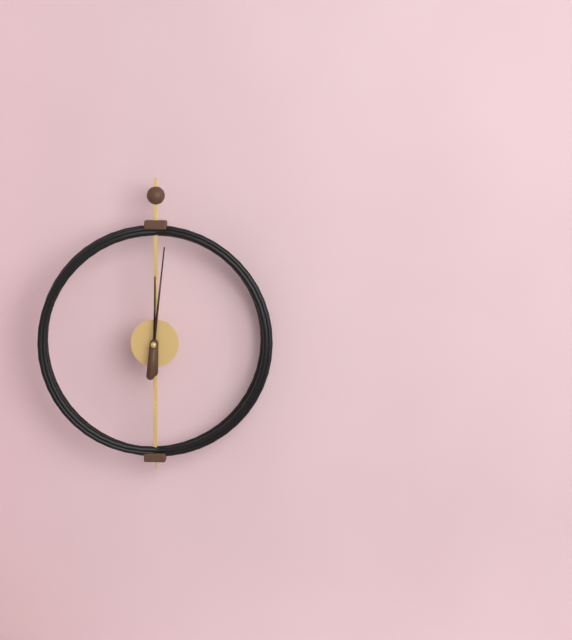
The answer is {"hour": 12, "minute": 1}
